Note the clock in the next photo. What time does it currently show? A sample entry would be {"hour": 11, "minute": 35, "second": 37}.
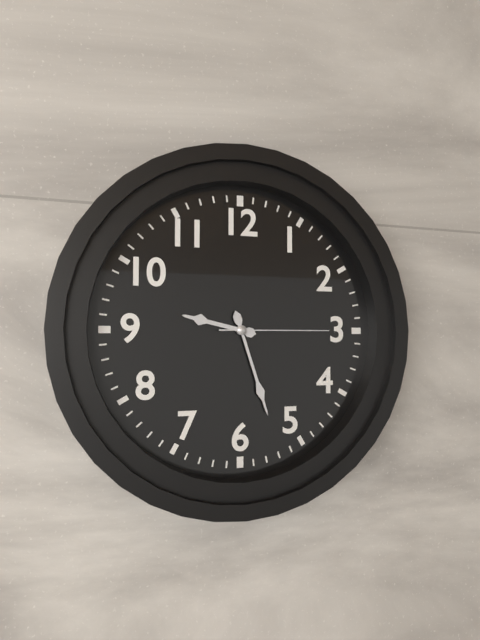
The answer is {"hour": 9, "minute": 27, "second": 15}
